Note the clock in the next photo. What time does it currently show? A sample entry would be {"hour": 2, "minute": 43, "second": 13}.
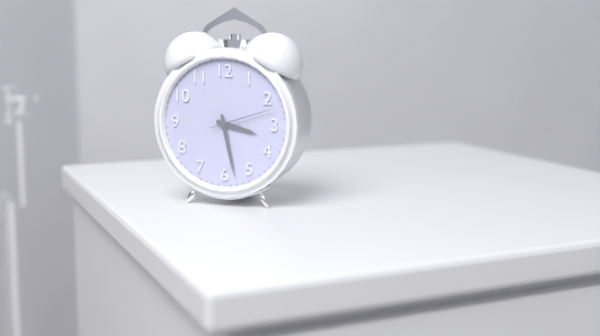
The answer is {"hour": 3, "minute": 28, "second": 12}
